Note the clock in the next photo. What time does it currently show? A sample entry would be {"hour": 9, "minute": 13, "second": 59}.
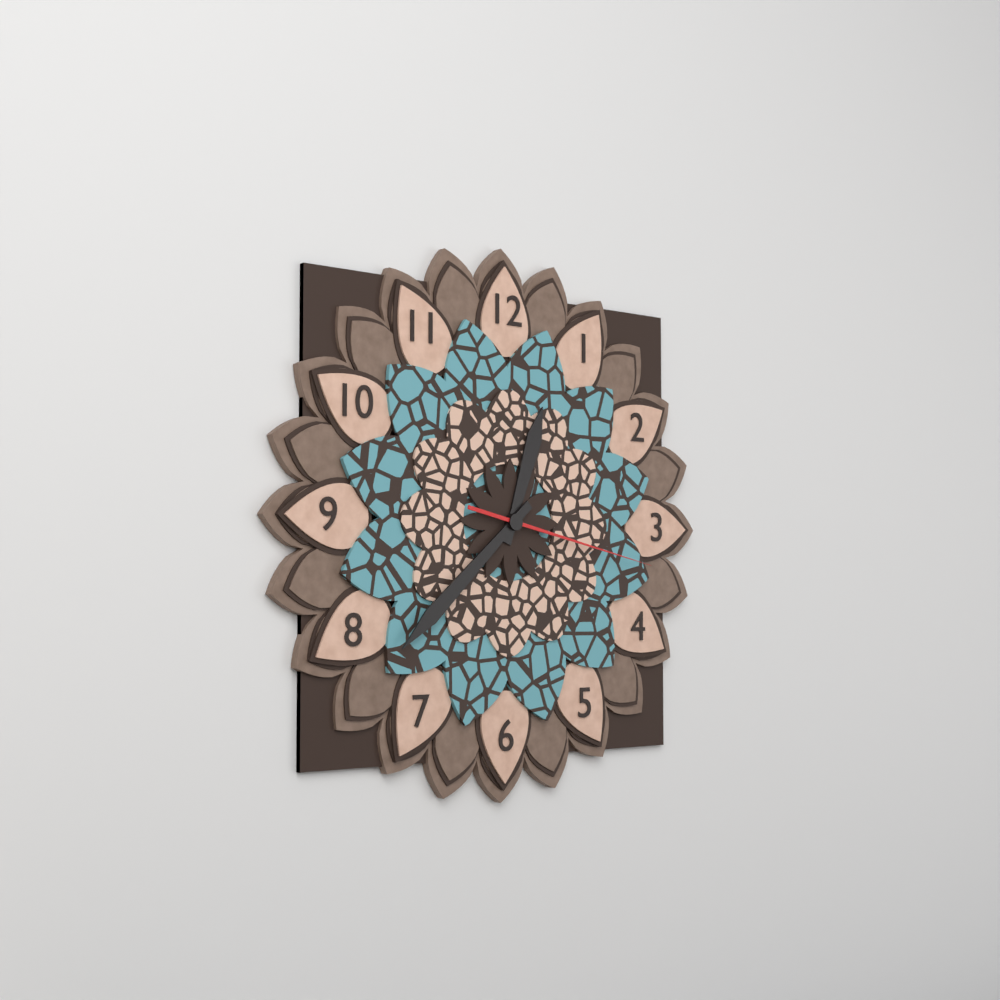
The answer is {"hour": 12, "minute": 38, "second": 17}
